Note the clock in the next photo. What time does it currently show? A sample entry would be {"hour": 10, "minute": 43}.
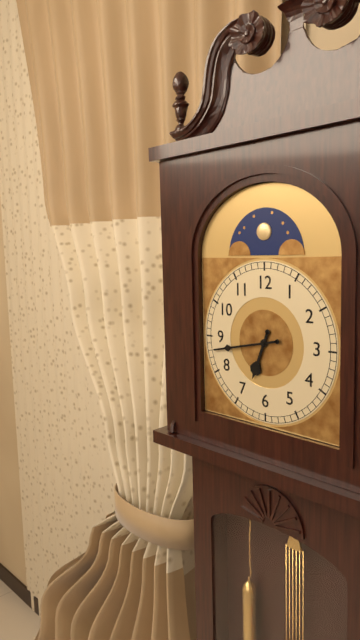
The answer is {"hour": 6, "minute": 43}
